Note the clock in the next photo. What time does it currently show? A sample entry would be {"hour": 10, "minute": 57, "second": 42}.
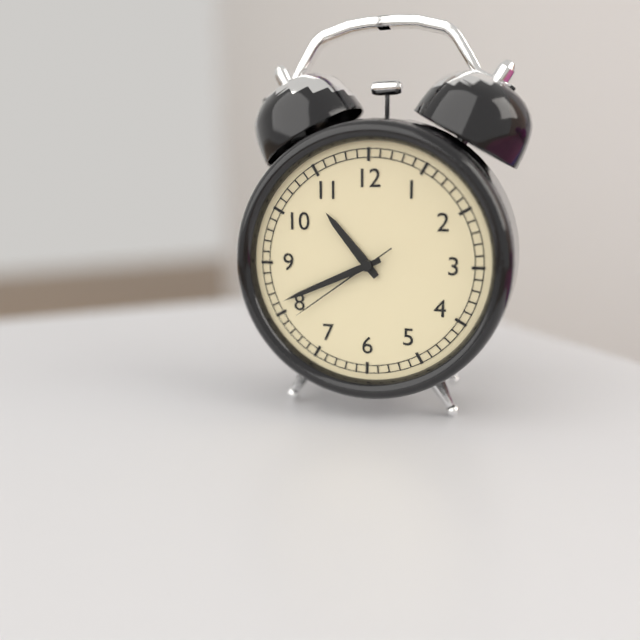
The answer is {"hour": 10, "minute": 41, "second": 39}
